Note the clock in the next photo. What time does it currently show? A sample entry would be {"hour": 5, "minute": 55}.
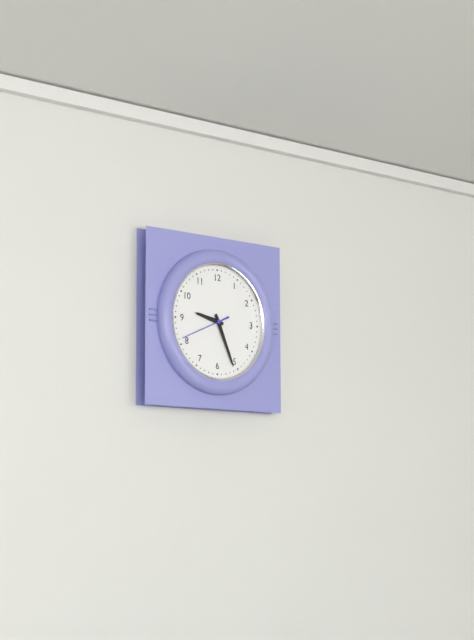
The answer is {"hour": 9, "minute": 26}
